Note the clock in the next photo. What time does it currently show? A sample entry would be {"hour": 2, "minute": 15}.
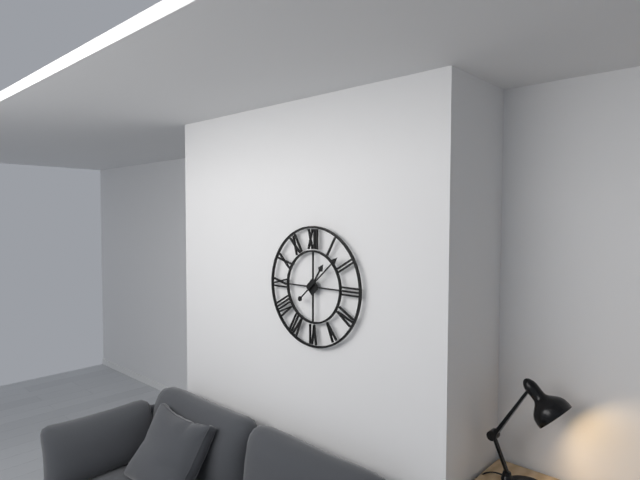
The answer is {"hour": 1, "minute": 8}
